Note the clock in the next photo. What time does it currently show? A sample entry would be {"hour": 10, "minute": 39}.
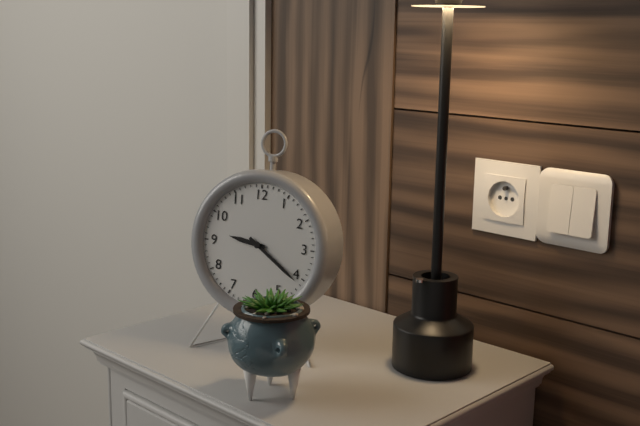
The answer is {"hour": 9, "minute": 21}
